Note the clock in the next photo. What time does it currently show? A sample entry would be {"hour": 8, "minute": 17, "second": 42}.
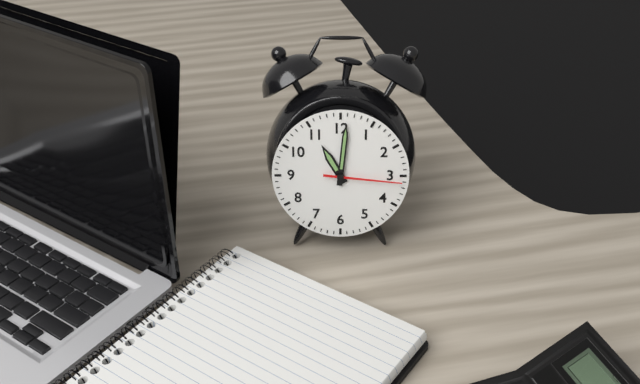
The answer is {"hour": 11, "minute": 1, "second": 16}
